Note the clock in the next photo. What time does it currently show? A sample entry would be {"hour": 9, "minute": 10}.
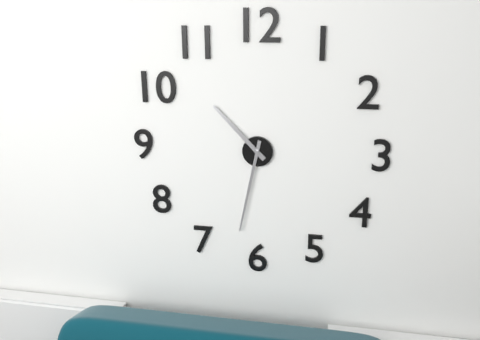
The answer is {"hour": 10, "minute": 32}
